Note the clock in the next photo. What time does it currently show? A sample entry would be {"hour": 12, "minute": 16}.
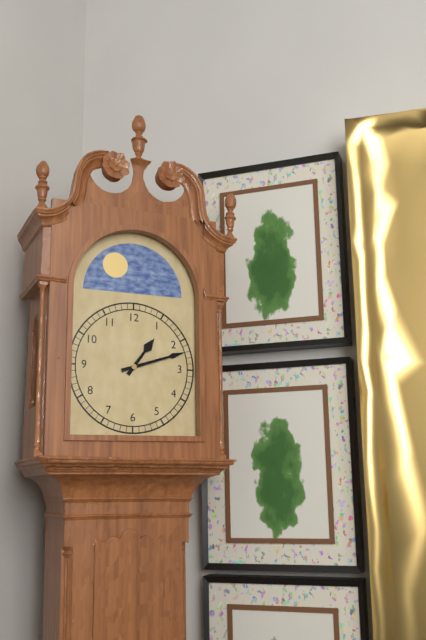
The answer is {"hour": 1, "minute": 12}
